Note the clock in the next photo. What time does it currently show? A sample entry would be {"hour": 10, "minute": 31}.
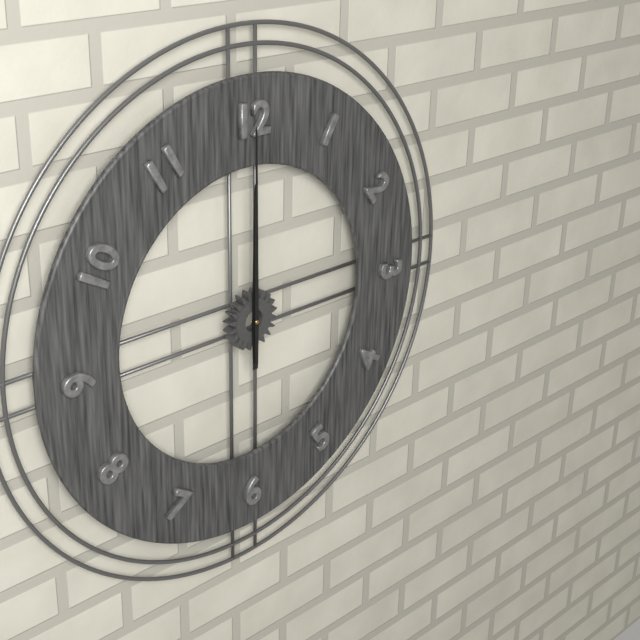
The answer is {"hour": 12, "minute": 0}
